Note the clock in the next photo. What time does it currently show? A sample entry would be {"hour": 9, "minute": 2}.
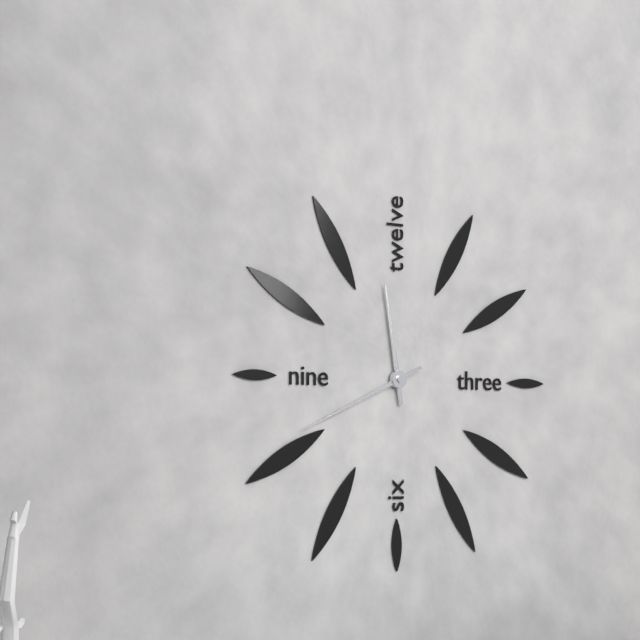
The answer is {"hour": 11, "minute": 41}
